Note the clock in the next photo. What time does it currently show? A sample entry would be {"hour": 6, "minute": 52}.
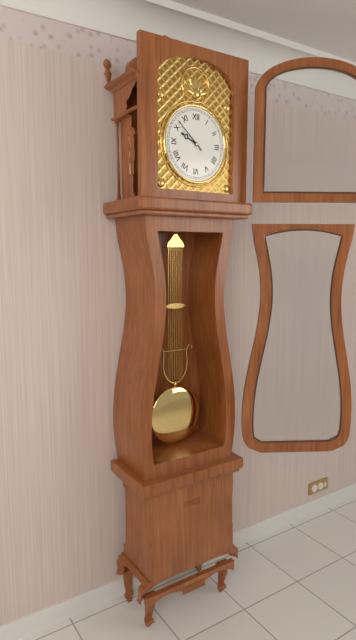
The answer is {"hour": 9, "minute": 52}
